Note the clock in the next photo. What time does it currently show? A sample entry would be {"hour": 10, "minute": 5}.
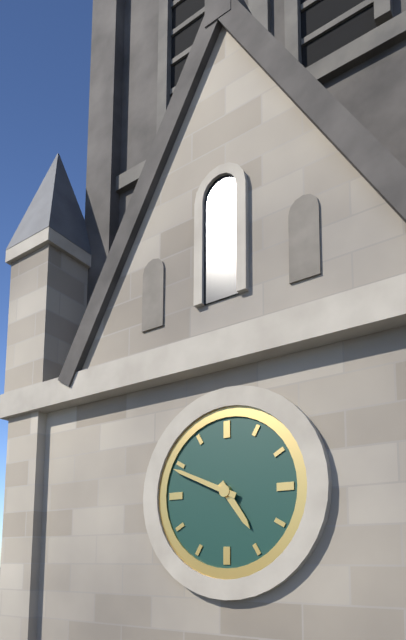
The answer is {"hour": 4, "minute": 49}
